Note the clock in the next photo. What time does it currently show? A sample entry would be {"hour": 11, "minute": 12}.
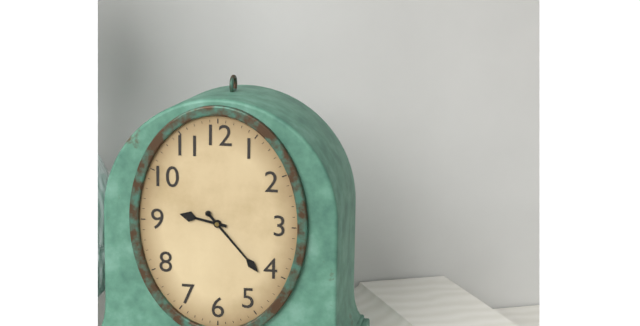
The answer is {"hour": 9, "minute": 23}
